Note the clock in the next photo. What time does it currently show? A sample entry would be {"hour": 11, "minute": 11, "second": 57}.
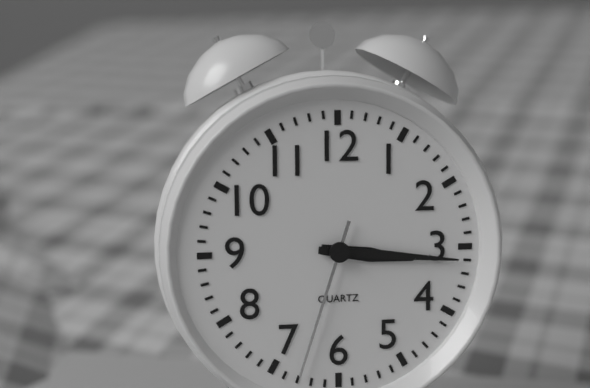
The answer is {"hour": 3, "minute": 16, "second": 33}
